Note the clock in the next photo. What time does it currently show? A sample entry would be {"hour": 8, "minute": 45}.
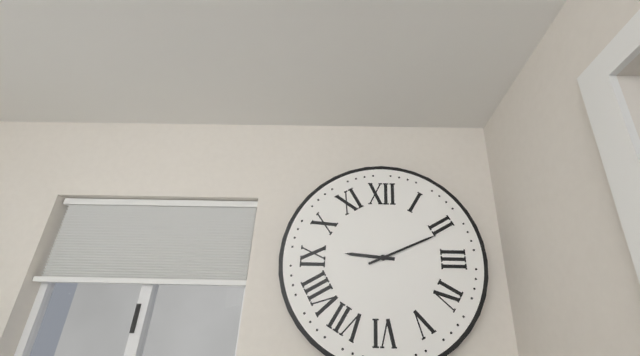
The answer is {"hour": 9, "minute": 11}
